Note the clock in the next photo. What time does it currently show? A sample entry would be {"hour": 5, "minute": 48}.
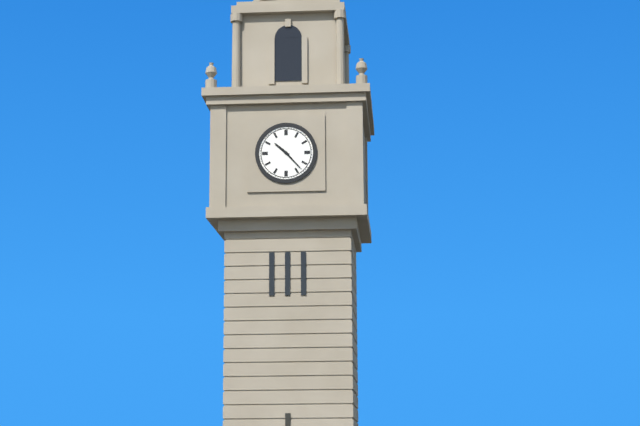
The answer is {"hour": 10, "minute": 23}
